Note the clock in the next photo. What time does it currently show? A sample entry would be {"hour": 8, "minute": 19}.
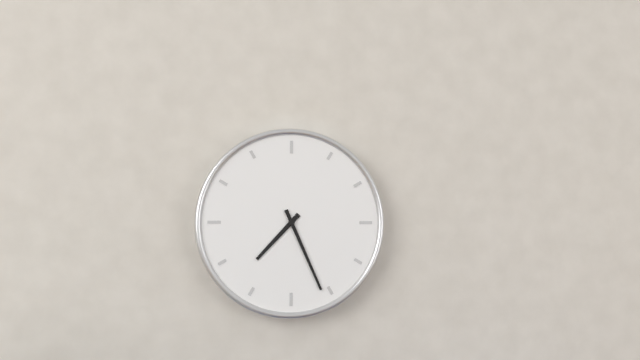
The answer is {"hour": 7, "minute": 26}
